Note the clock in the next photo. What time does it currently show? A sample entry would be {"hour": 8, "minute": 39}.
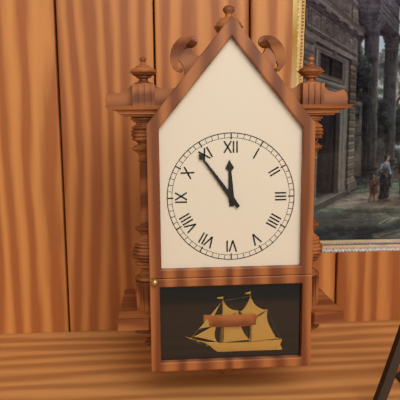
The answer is {"hour": 11, "minute": 54}
